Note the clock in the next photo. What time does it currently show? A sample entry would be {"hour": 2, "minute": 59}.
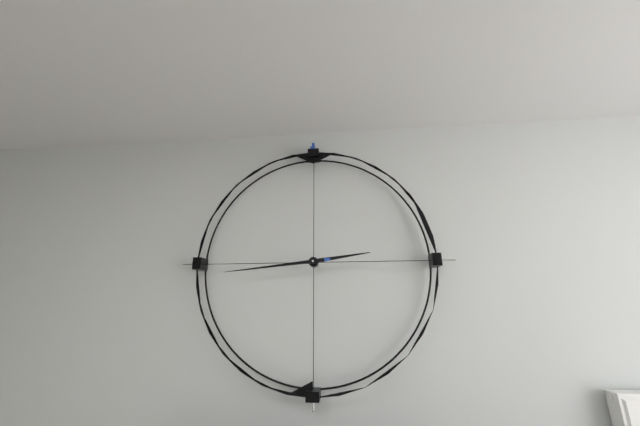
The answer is {"hour": 2, "minute": 44}
